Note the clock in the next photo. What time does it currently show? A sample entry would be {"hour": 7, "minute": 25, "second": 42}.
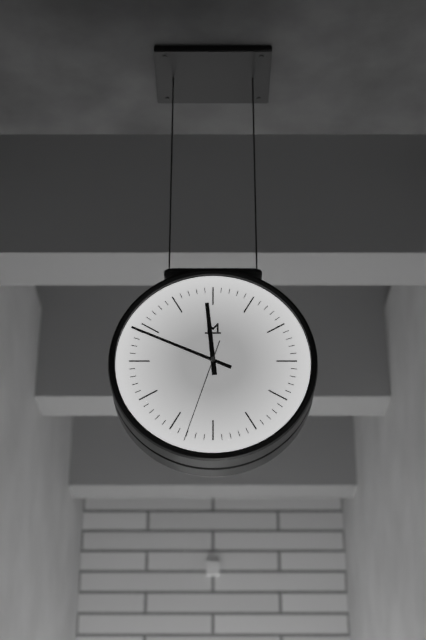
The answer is {"hour": 11, "minute": 49, "second": 33}
